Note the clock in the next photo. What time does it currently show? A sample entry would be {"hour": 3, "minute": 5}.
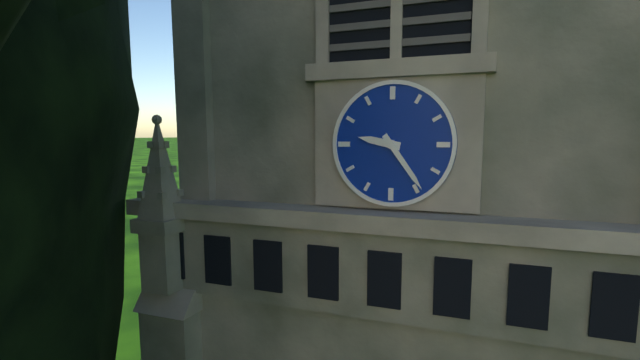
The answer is {"hour": 9, "minute": 24}
